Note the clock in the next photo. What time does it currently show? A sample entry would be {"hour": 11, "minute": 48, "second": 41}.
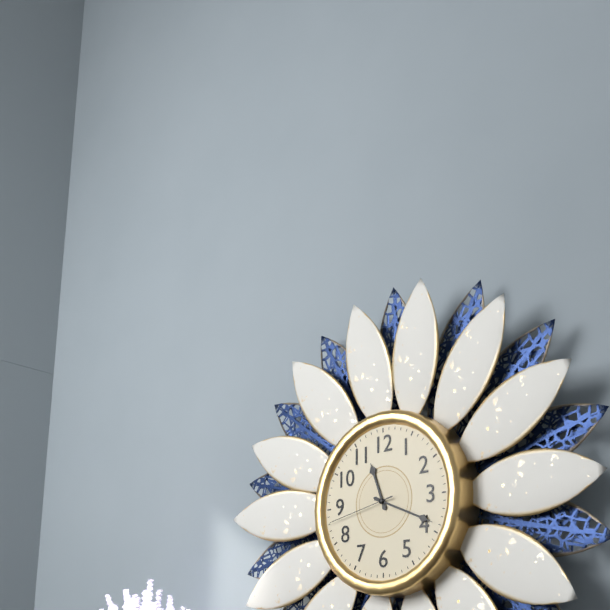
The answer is {"hour": 11, "minute": 19, "second": 43}
